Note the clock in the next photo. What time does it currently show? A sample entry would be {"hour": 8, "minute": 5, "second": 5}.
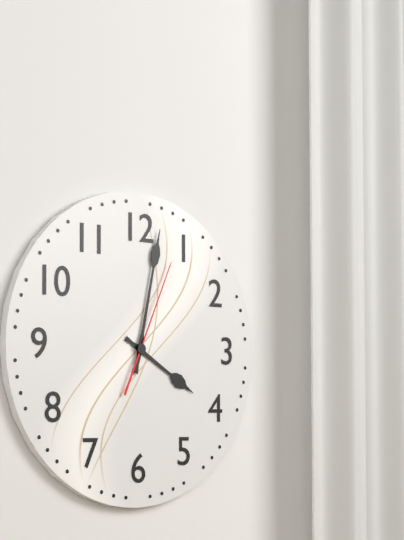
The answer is {"hour": 4, "minute": 2, "second": 4}
